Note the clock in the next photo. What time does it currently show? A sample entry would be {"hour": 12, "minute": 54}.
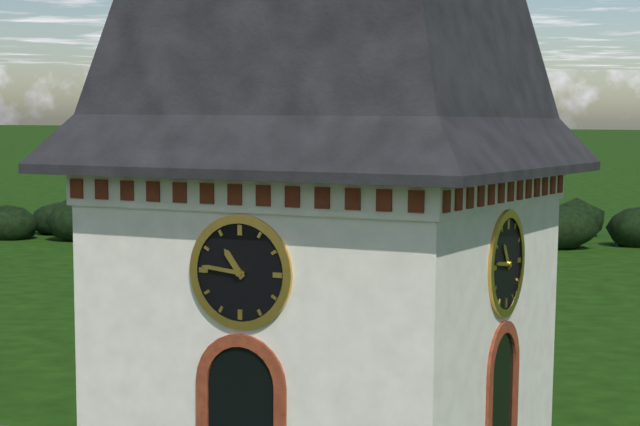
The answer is {"hour": 10, "minute": 46}
